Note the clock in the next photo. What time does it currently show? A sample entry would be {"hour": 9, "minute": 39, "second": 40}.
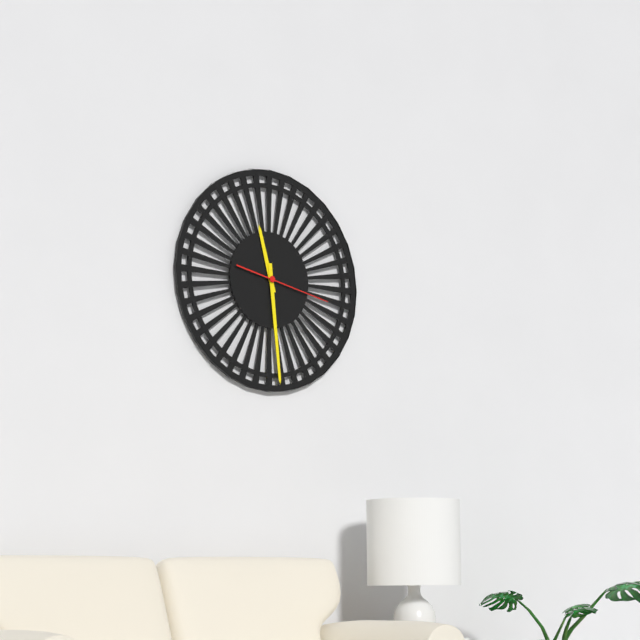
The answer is {"hour": 11, "minute": 29, "second": 17}
